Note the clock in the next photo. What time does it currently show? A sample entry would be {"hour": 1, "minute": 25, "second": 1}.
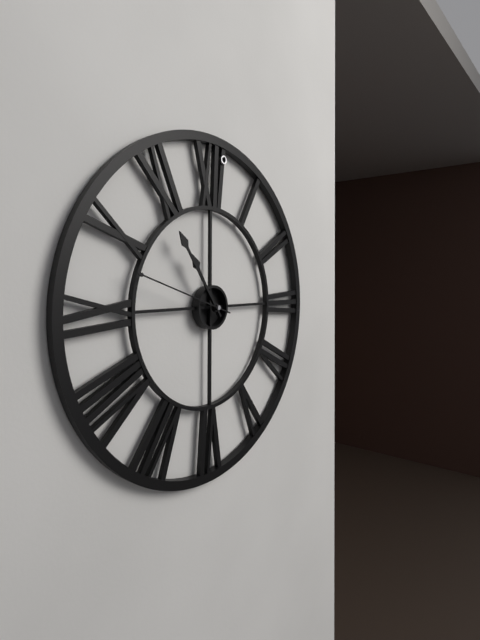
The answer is {"hour": 10, "minute": 54, "second": 48}
